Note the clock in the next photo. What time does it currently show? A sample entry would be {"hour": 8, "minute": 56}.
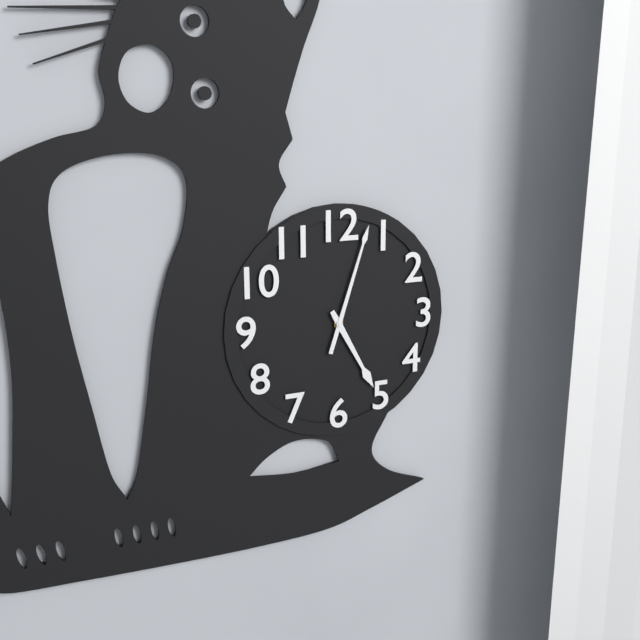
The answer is {"hour": 5, "minute": 3}
